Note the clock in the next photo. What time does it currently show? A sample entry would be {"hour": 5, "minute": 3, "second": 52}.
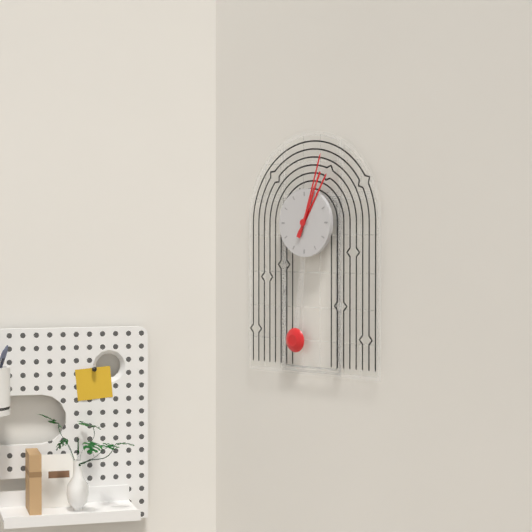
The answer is {"hour": 1, "minute": 3, "second": 4}
